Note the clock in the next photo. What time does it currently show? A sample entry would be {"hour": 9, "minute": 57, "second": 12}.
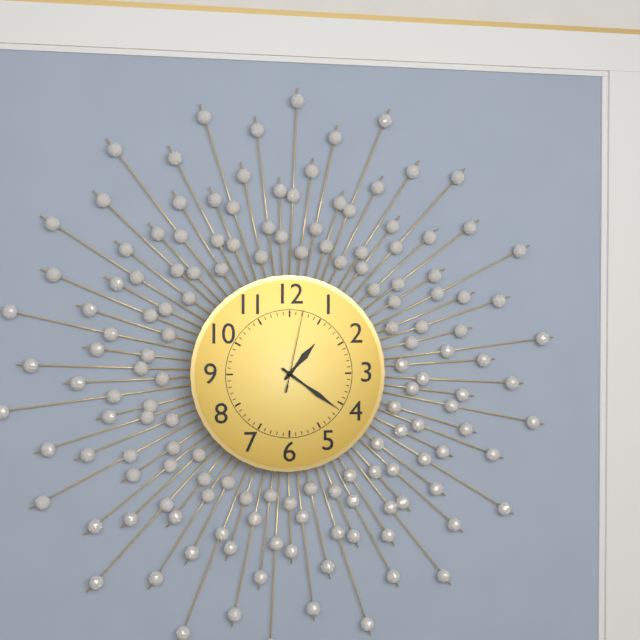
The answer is {"hour": 1, "minute": 21, "second": 2}
